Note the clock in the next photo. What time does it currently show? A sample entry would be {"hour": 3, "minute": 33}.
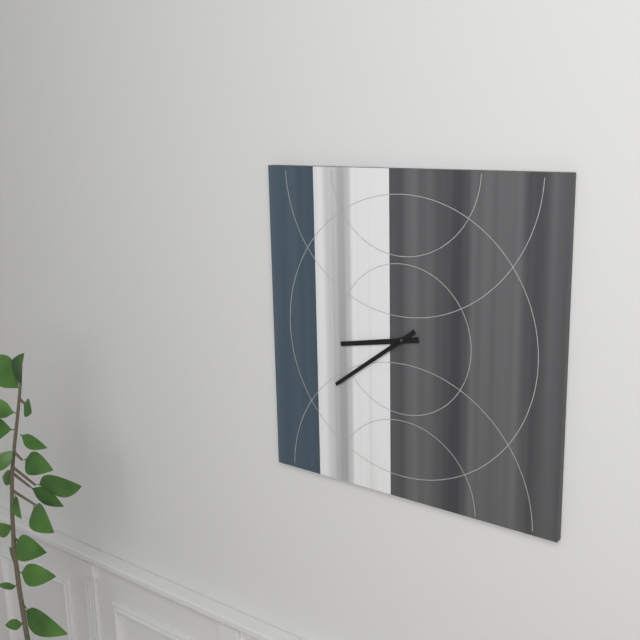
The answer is {"hour": 8, "minute": 39}
